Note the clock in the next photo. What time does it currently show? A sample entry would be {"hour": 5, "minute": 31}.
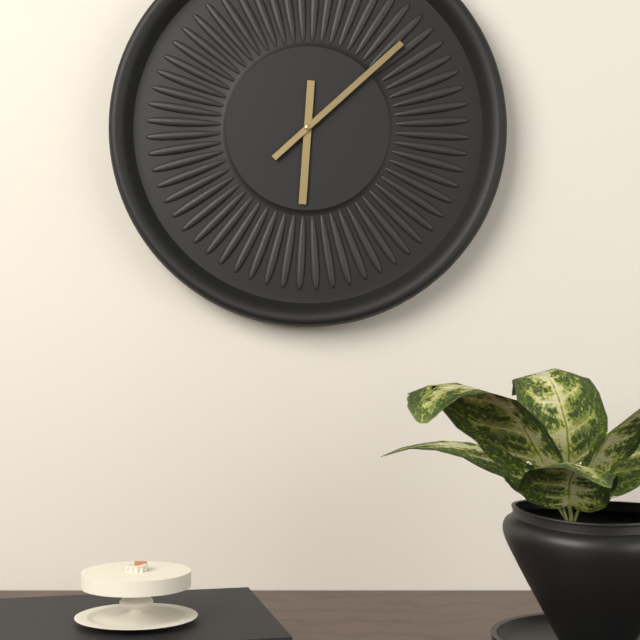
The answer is {"hour": 6, "minute": 8}
